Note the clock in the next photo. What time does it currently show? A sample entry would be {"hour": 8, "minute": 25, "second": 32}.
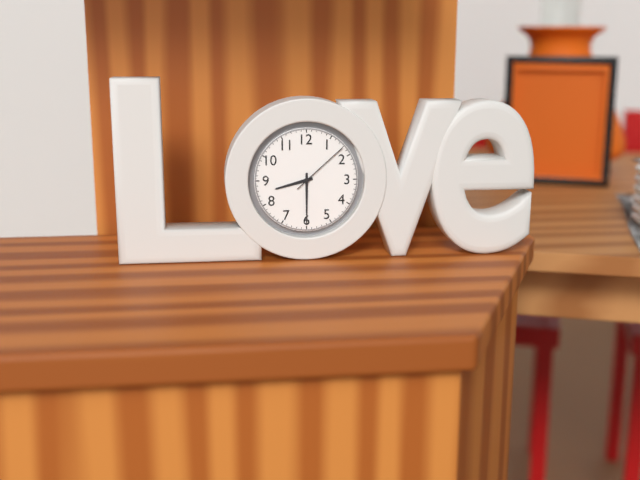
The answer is {"hour": 8, "minute": 30, "second": 8}
